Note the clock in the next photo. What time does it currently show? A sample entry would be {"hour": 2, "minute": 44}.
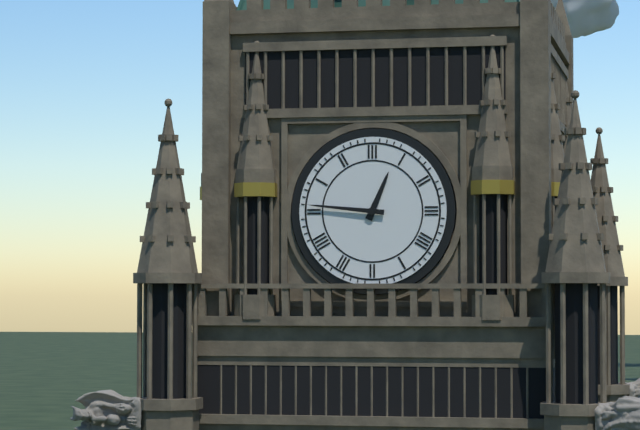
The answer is {"hour": 12, "minute": 46}
